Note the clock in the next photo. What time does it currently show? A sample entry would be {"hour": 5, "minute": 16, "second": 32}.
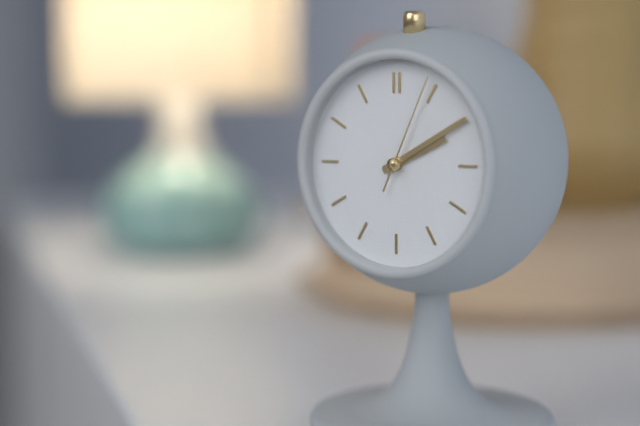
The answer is {"hour": 2, "minute": 10, "second": 4}
